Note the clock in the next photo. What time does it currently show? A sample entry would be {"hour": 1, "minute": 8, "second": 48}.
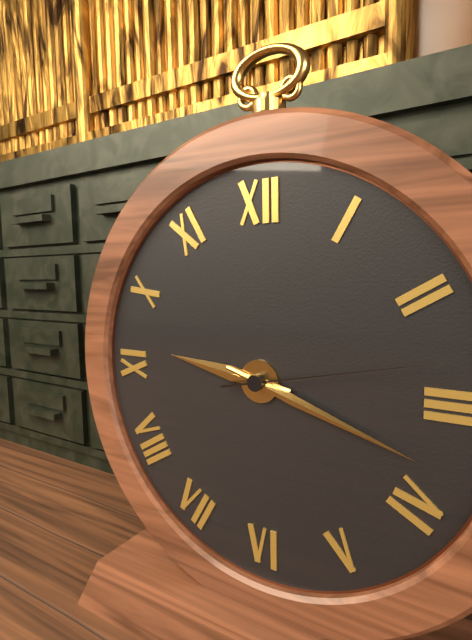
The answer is {"hour": 9, "minute": 18, "second": 13}
